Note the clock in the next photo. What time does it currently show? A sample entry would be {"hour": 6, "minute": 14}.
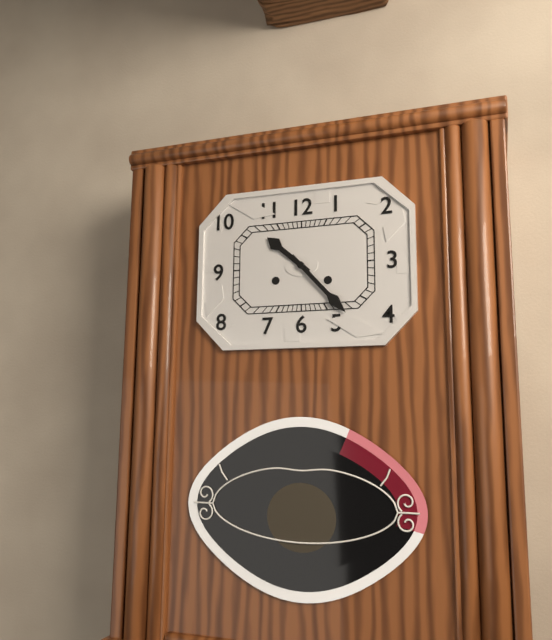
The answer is {"hour": 10, "minute": 23}
